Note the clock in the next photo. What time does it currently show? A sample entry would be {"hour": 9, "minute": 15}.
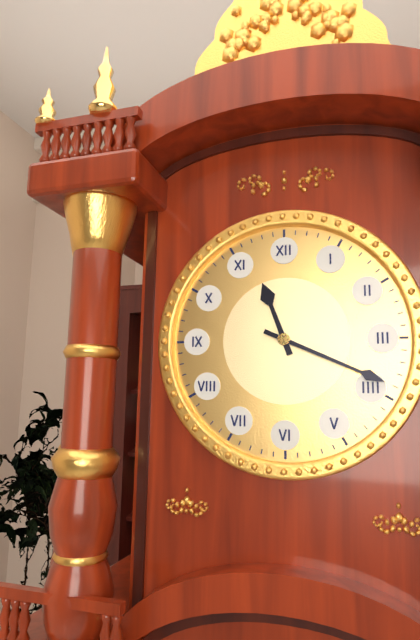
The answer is {"hour": 11, "minute": 19}
